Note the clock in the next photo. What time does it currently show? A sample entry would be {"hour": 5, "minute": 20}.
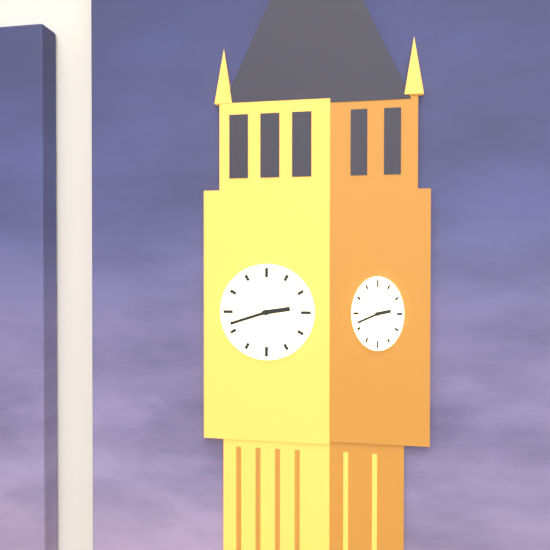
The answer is {"hour": 2, "minute": 42}
